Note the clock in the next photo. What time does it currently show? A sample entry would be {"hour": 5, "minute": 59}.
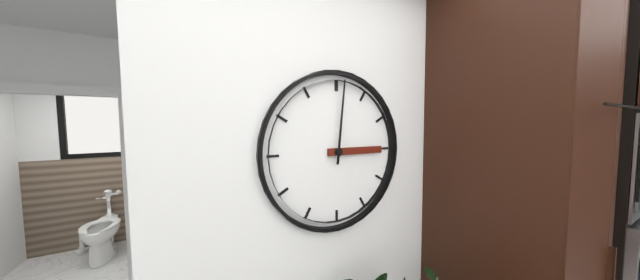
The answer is {"hour": 3, "minute": 1}
